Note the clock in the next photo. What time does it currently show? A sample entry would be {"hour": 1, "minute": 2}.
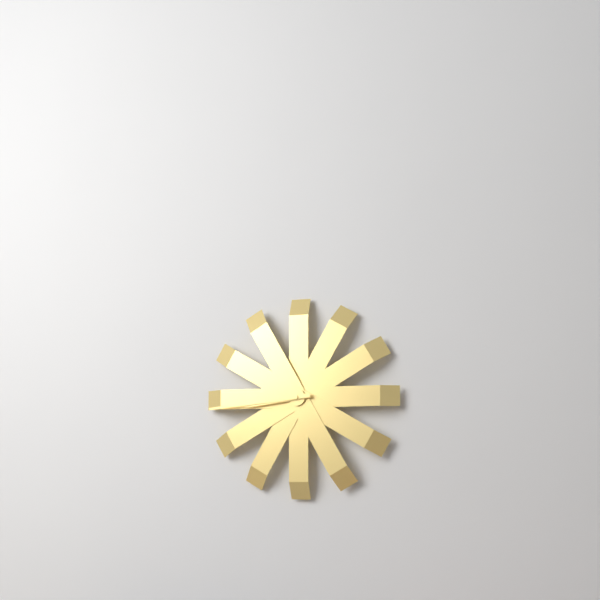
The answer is {"hour": 8, "minute": 44}
